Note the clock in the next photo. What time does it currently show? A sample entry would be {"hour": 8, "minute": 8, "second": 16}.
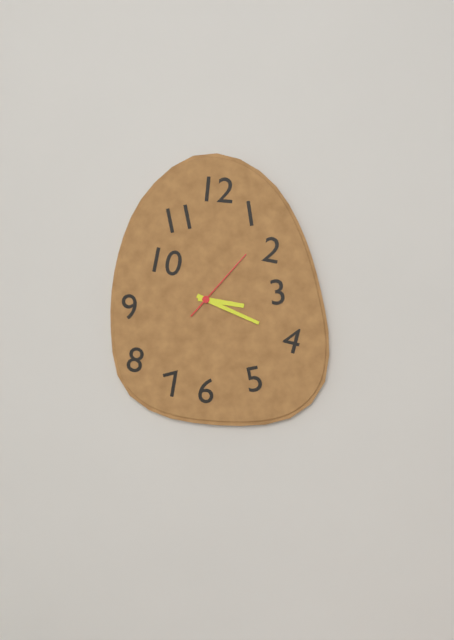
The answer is {"hour": 3, "minute": 19, "second": 7}
